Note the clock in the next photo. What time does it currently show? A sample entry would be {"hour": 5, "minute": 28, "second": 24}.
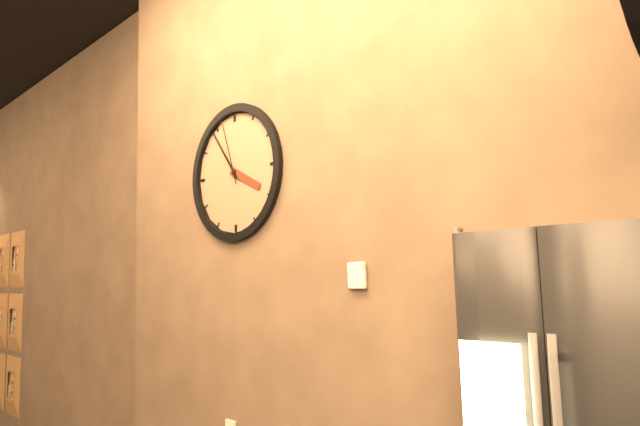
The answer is {"hour": 3, "minute": 54, "second": 57}
